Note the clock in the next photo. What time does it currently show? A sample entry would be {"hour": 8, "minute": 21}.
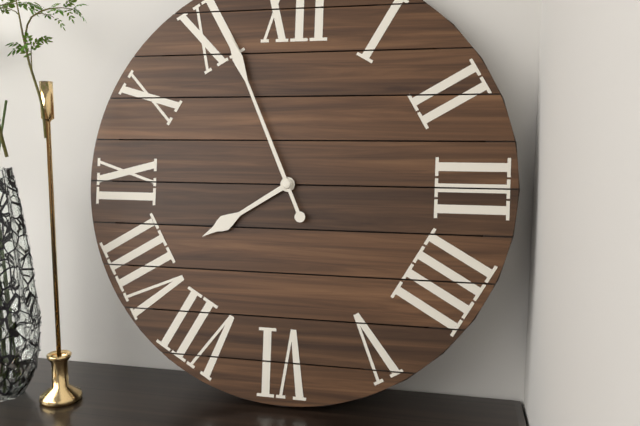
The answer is {"hour": 7, "minute": 56}
